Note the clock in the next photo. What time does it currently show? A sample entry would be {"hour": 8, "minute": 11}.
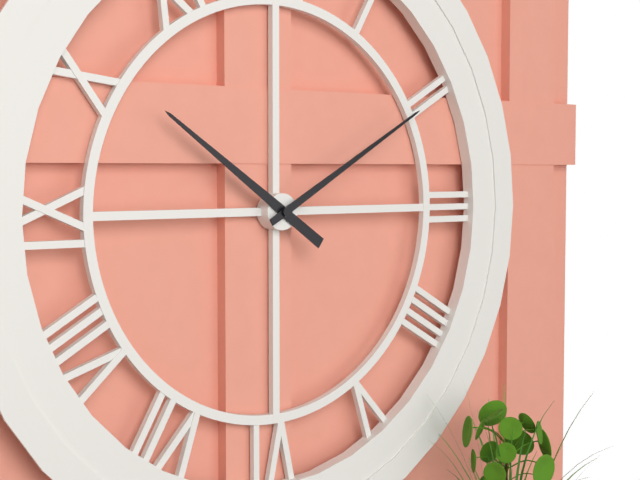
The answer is {"hour": 10, "minute": 10}
